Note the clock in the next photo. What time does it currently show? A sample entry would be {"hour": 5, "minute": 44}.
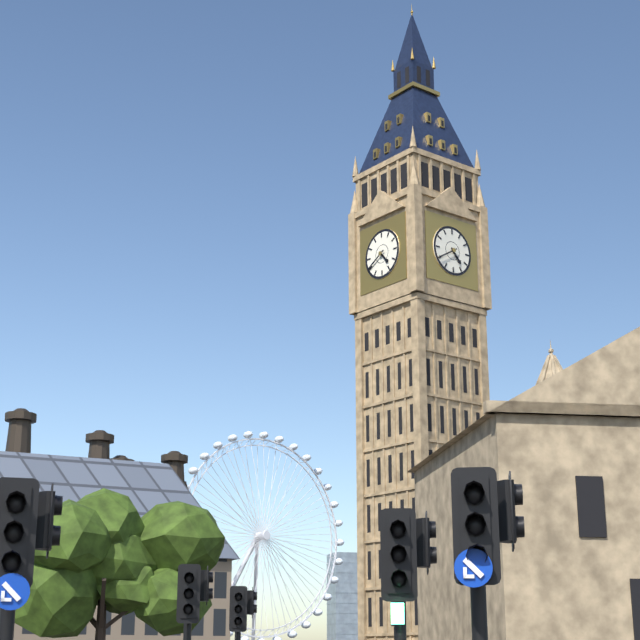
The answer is {"hour": 4, "minute": 40}
